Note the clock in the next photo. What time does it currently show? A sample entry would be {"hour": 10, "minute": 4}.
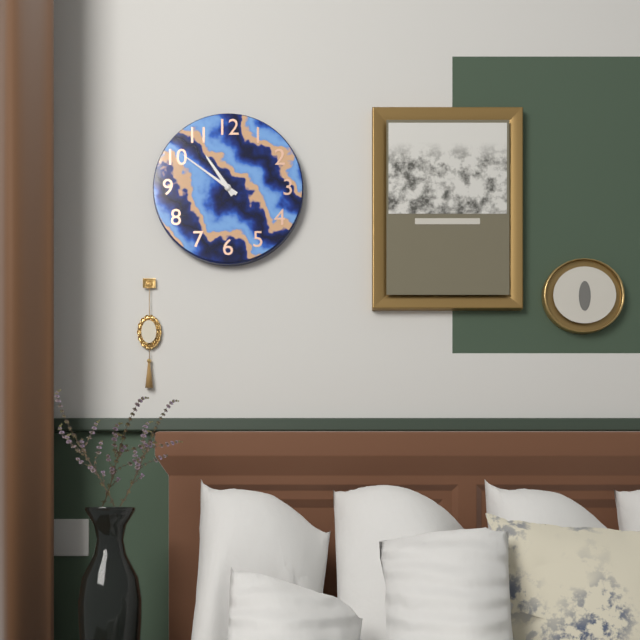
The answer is {"hour": 10, "minute": 51}
